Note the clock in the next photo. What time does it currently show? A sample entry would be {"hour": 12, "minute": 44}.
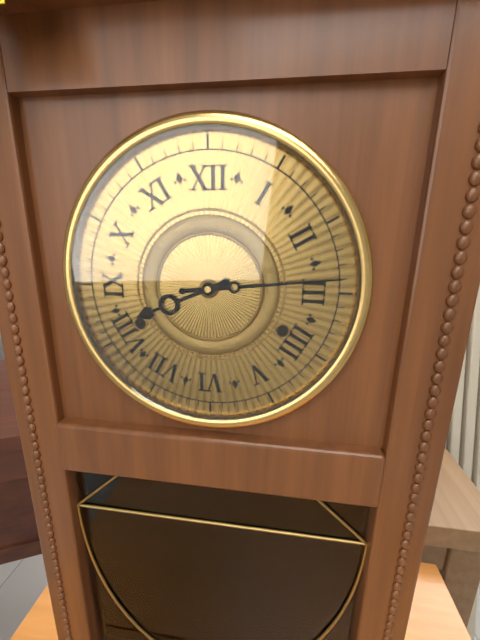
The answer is {"hour": 8, "minute": 14}
